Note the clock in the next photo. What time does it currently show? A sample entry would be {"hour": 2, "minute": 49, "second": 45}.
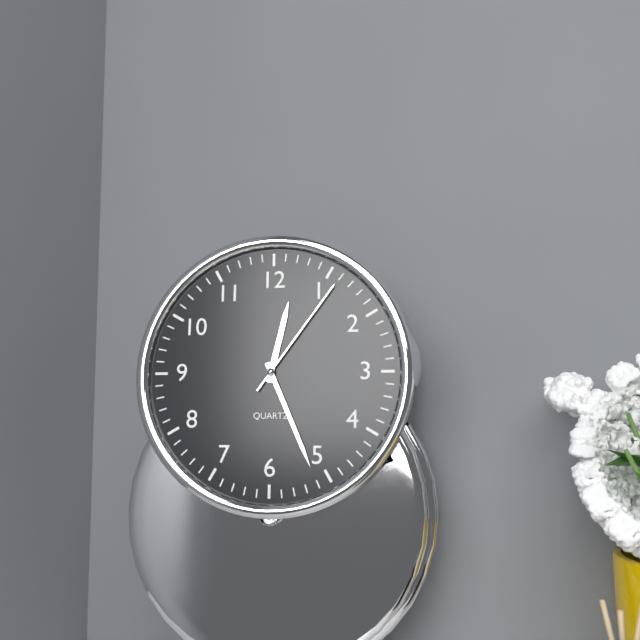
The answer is {"hour": 12, "minute": 26, "second": 6}
